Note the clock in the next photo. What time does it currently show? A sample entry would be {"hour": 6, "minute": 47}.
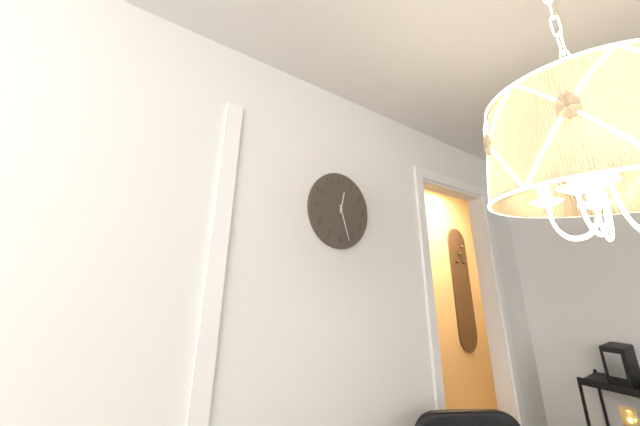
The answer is {"hour": 12, "minute": 27}
